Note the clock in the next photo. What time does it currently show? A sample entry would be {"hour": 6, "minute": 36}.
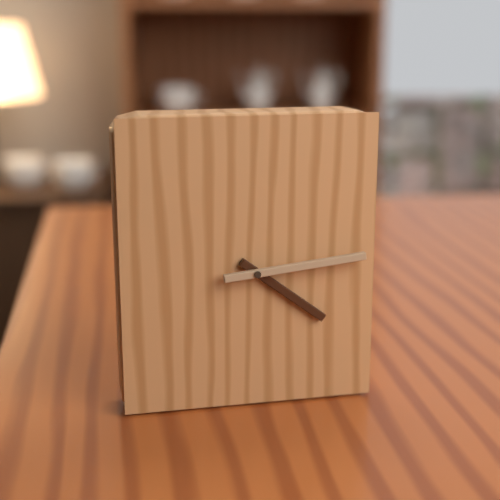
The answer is {"hour": 4, "minute": 14}
